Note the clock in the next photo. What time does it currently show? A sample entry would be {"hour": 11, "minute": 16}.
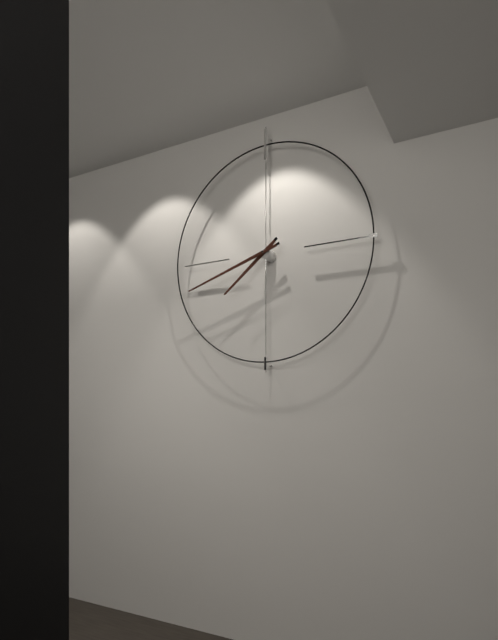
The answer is {"hour": 7, "minute": 42}
